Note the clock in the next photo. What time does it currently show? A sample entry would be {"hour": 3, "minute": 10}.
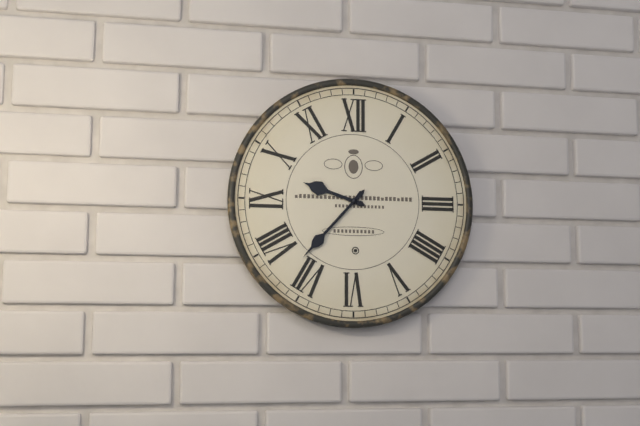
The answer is {"hour": 9, "minute": 37}
